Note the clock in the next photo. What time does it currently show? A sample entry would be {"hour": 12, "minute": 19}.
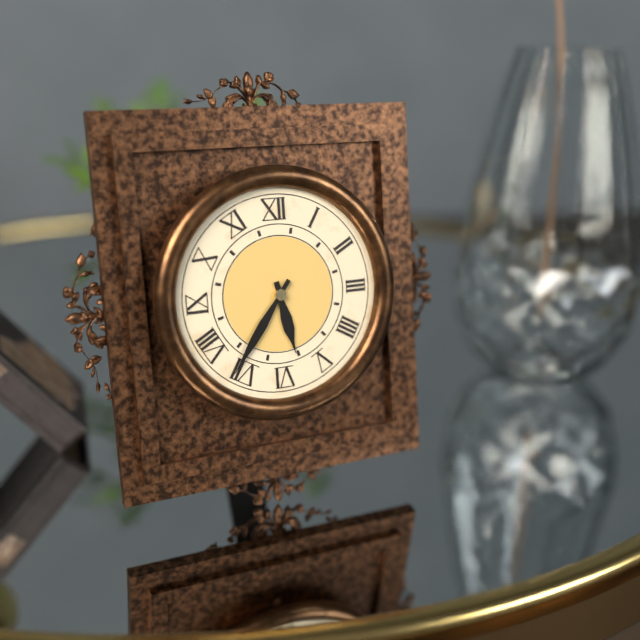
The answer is {"hour": 5, "minute": 36}
